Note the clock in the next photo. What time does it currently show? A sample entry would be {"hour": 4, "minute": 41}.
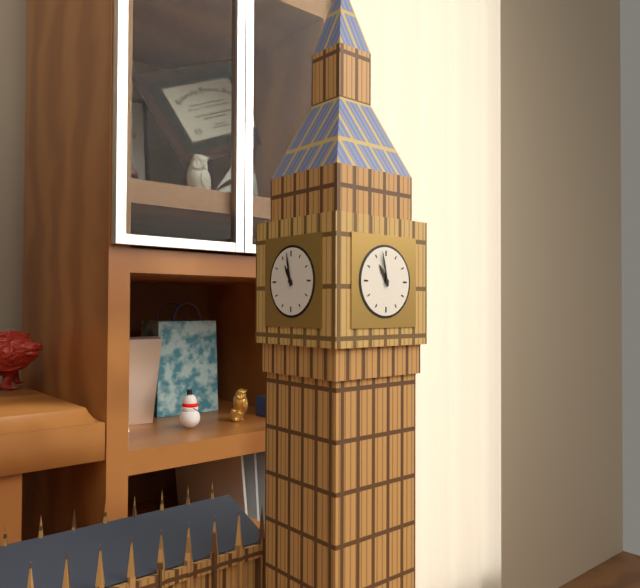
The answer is {"hour": 10, "minute": 58}
